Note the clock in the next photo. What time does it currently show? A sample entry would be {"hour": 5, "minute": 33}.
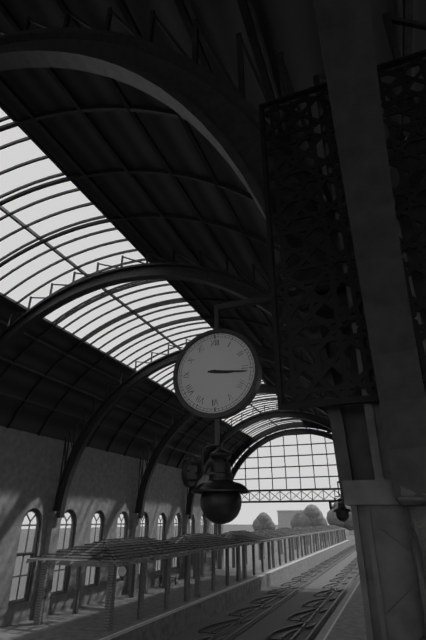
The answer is {"hour": 3, "minute": 16}
